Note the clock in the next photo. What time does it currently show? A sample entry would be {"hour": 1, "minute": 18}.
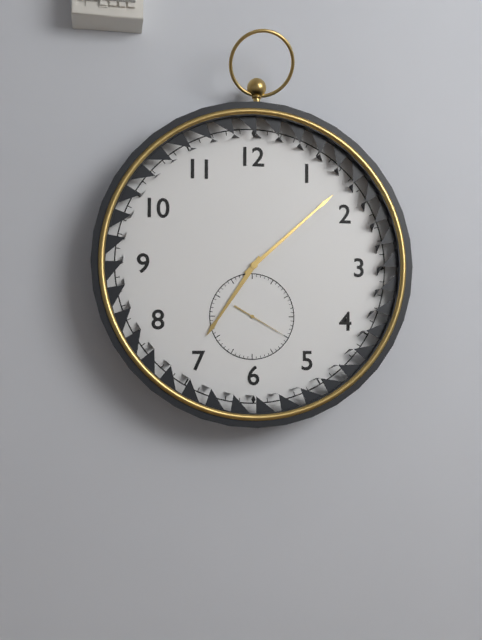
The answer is {"hour": 7, "minute": 8}
